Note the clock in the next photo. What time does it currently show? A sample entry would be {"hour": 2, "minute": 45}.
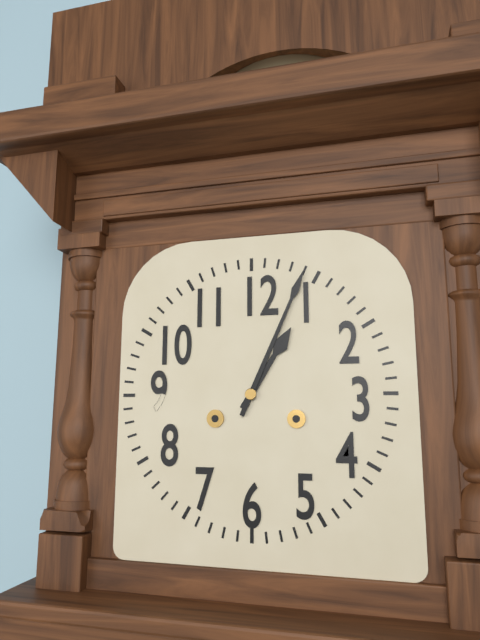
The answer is {"hour": 1, "minute": 4}
